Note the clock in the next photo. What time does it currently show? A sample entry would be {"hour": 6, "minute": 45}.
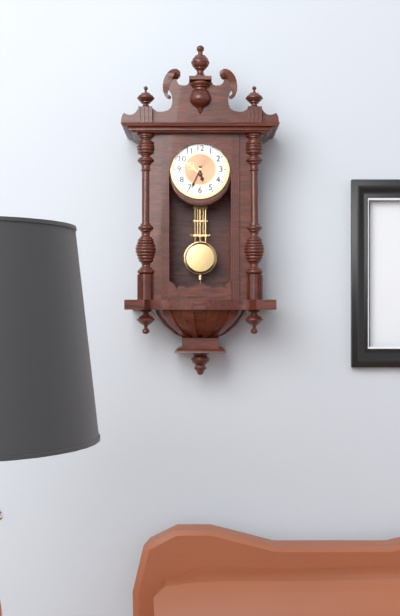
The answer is {"hour": 5, "minute": 34}
